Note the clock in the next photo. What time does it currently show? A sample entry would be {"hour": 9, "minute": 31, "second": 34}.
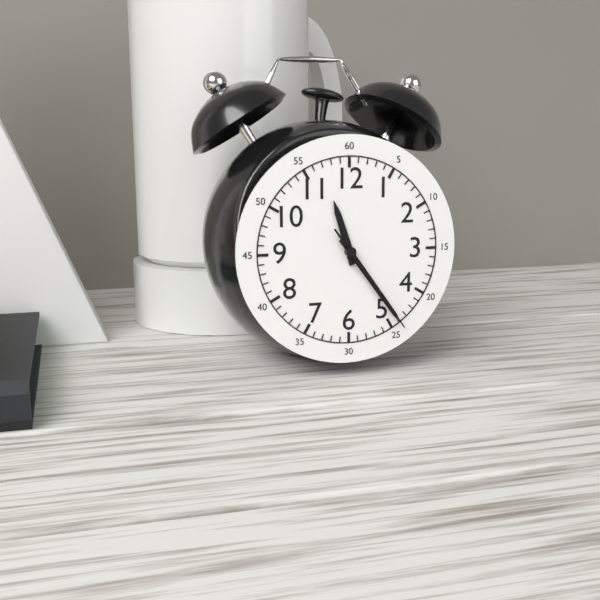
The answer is {"hour": 11, "minute": 24, "second": 24}
